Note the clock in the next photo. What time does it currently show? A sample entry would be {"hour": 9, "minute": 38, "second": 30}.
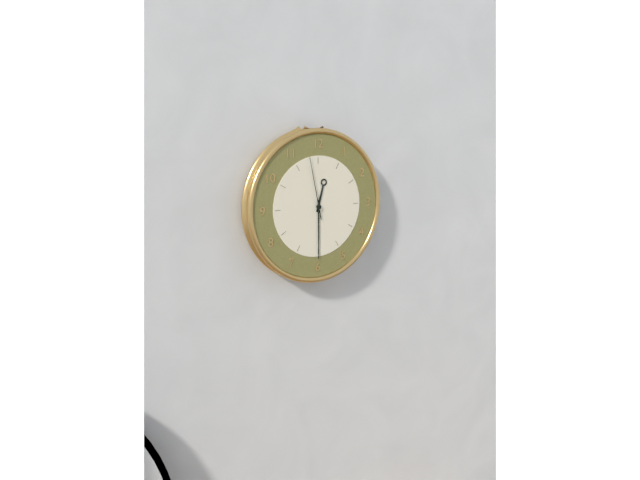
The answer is {"hour": 12, "minute": 30, "second": 58}
